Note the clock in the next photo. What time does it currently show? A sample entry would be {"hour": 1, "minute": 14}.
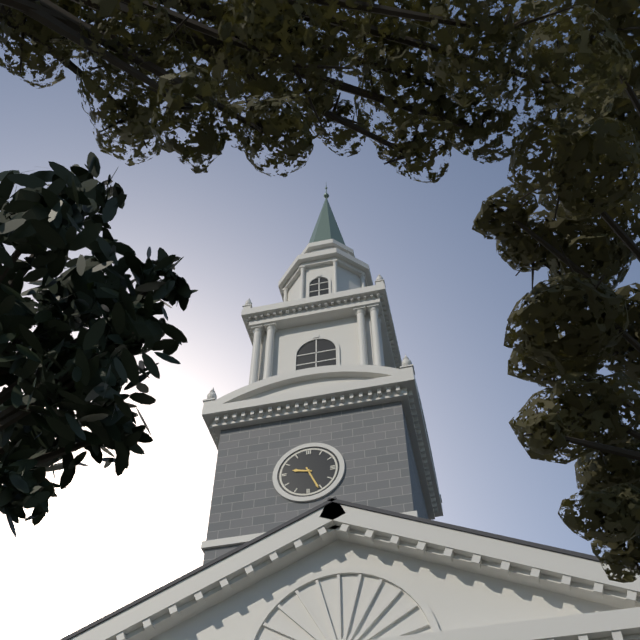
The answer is {"hour": 9, "minute": 26}
